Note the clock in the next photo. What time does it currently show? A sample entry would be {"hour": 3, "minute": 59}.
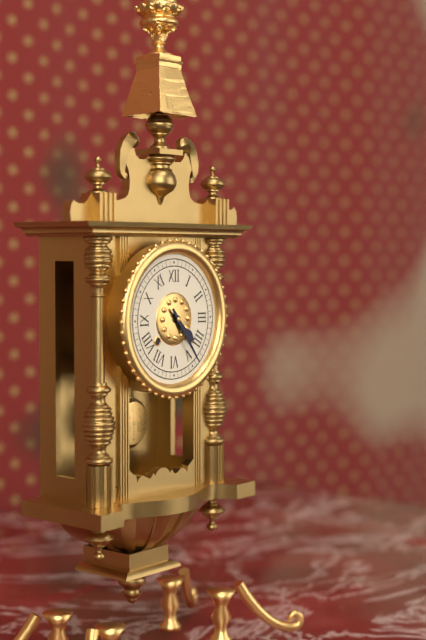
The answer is {"hour": 4, "minute": 24}
